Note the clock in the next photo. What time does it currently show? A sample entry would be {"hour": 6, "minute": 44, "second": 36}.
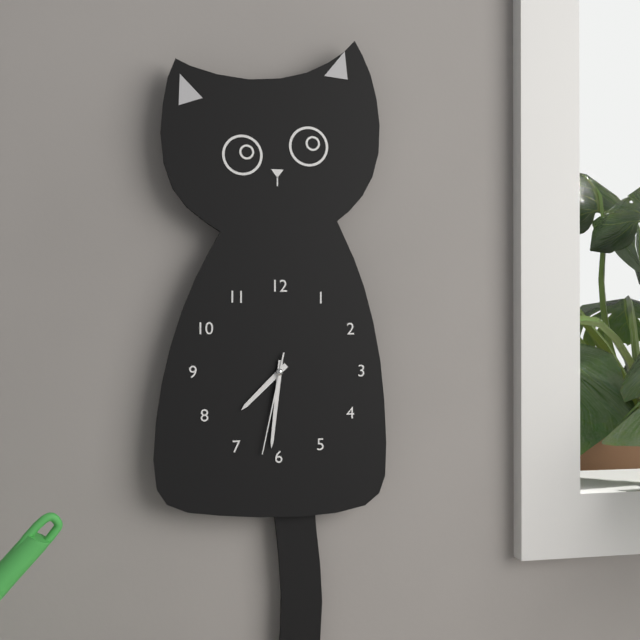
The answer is {"hour": 7, "minute": 31, "second": 32}
